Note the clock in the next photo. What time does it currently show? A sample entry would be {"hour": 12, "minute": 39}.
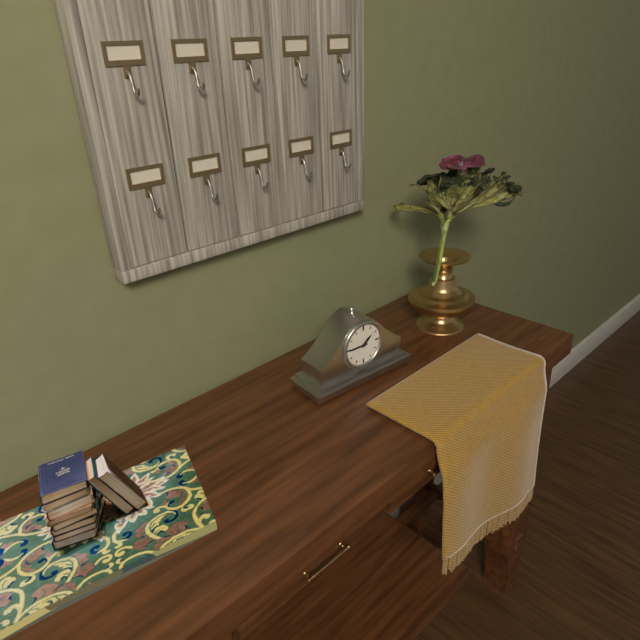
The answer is {"hour": 1, "minute": 45}
